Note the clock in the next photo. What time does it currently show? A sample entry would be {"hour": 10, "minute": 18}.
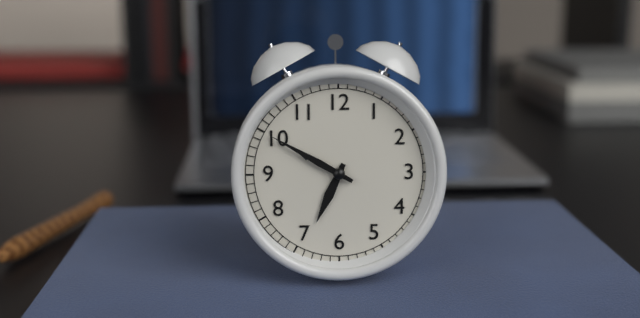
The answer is {"hour": 6, "minute": 50}
